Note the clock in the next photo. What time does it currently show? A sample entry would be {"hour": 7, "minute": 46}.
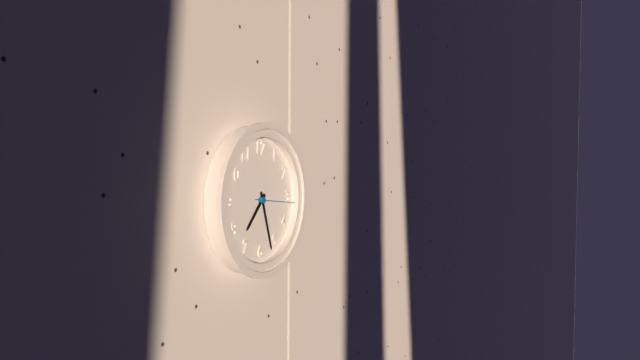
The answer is {"hour": 7, "minute": 27}
